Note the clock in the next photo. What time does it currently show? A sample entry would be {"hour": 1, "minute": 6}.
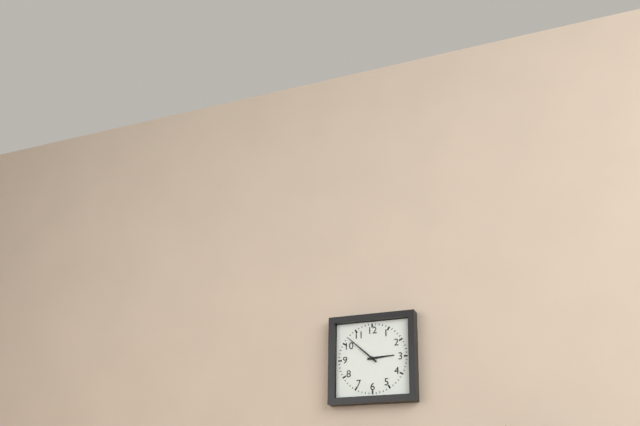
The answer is {"hour": 2, "minute": 52}
